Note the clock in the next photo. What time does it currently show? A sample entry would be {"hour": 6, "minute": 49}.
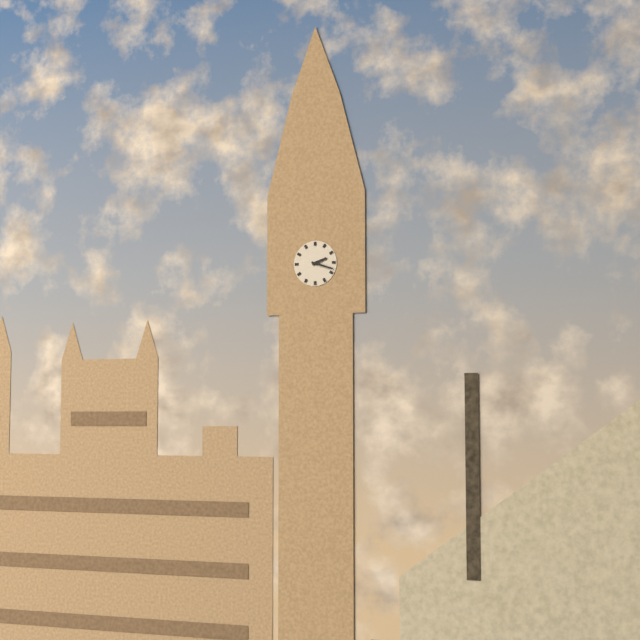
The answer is {"hour": 2, "minute": 18}
